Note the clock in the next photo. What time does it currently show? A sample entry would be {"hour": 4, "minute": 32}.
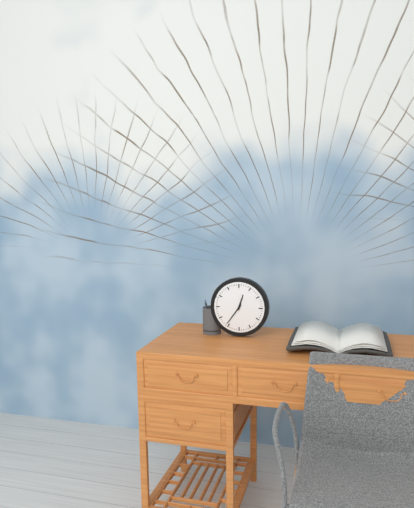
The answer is {"hour": 12, "minute": 36}
